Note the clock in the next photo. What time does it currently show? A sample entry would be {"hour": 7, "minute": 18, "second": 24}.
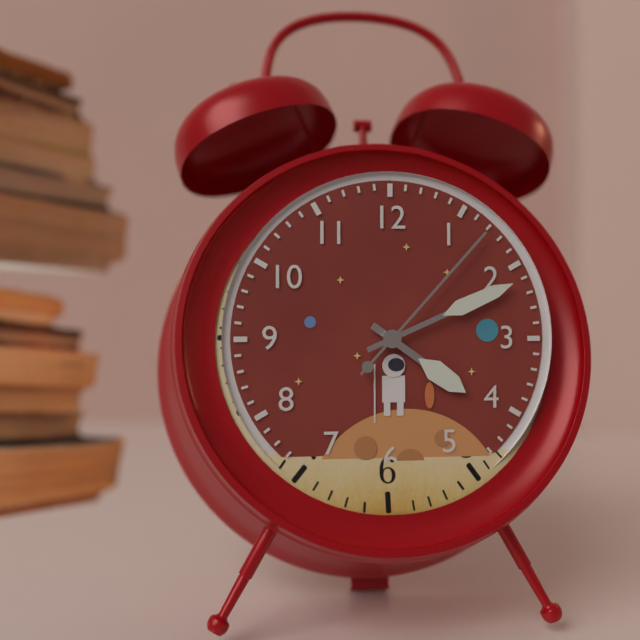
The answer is {"hour": 4, "minute": 11, "second": 7}
